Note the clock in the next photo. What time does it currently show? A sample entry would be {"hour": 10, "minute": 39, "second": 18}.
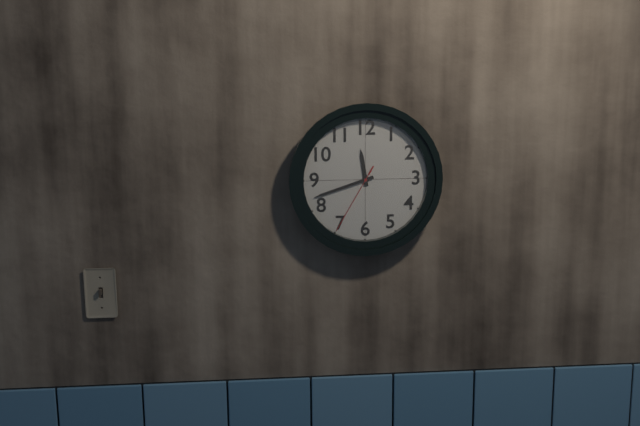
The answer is {"hour": 11, "minute": 42, "second": 35}
